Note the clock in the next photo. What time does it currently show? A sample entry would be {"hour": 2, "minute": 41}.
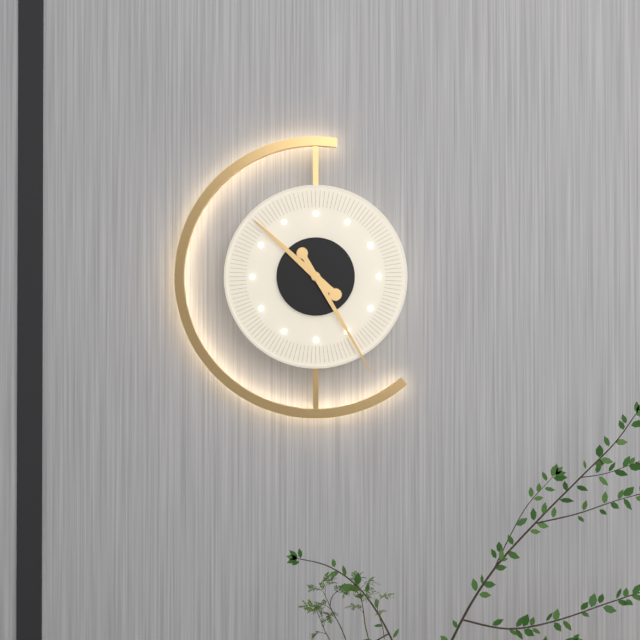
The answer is {"hour": 10, "minute": 25}
